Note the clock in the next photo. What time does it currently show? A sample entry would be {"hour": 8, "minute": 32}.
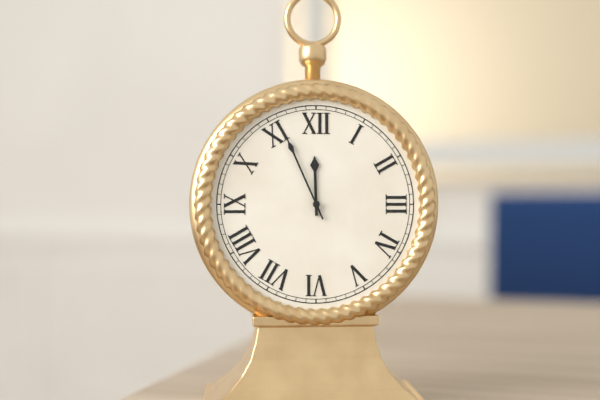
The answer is {"hour": 11, "minute": 56}
